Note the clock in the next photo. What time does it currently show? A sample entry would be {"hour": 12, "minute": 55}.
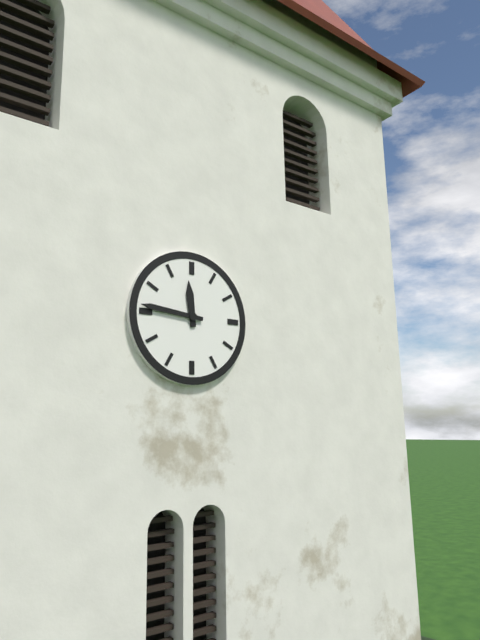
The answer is {"hour": 11, "minute": 46}
